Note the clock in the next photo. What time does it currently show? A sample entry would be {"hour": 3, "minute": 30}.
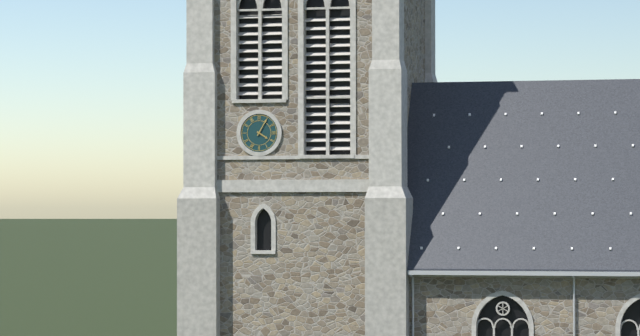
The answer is {"hour": 4, "minute": 5}
